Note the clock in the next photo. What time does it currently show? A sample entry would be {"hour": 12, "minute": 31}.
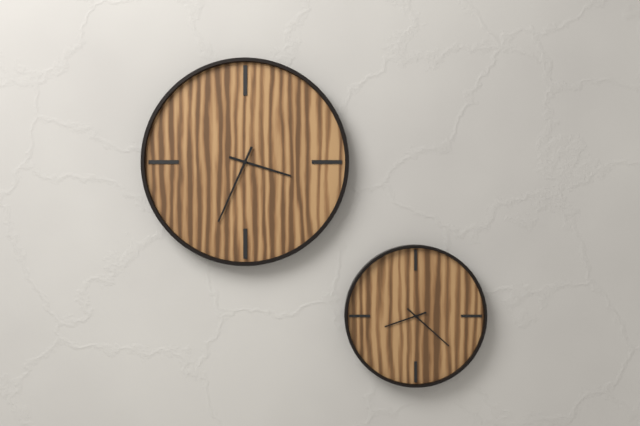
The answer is {"hour": 3, "minute": 34}
